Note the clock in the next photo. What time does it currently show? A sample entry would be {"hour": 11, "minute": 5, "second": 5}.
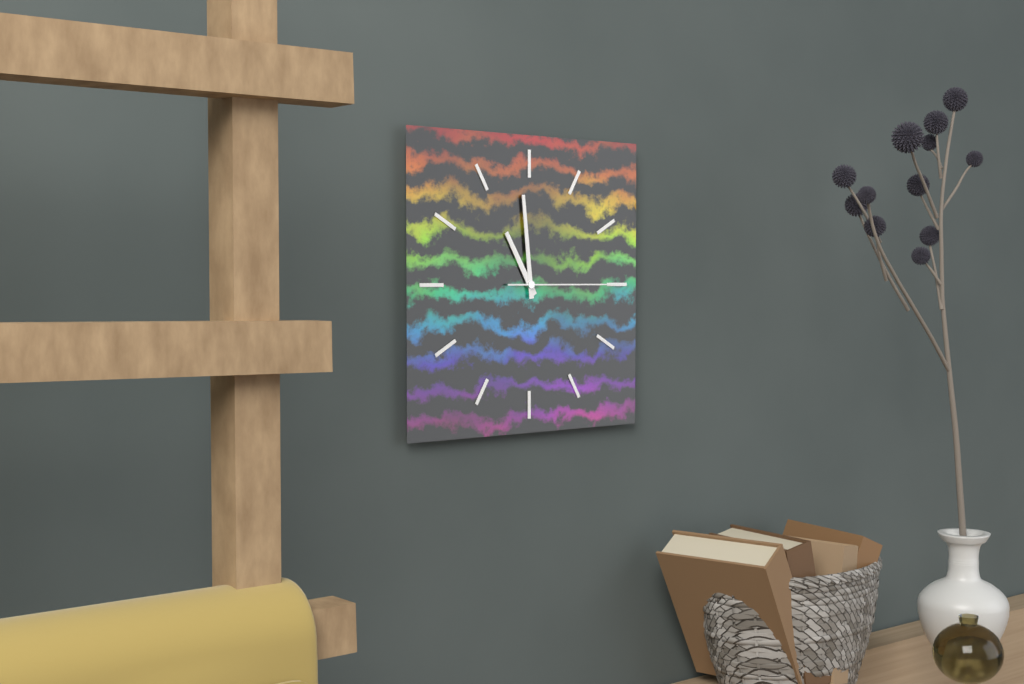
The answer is {"hour": 10, "minute": 59, "second": 15}
